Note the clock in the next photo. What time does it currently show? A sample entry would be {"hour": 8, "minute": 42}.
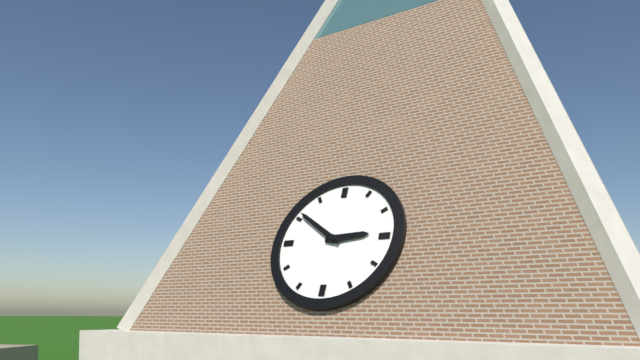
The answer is {"hour": 2, "minute": 51}
